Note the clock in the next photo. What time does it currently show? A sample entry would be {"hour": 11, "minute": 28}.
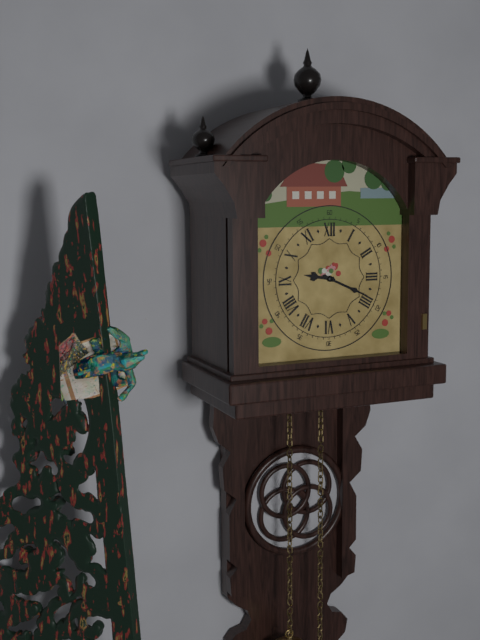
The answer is {"hour": 9, "minute": 19}
